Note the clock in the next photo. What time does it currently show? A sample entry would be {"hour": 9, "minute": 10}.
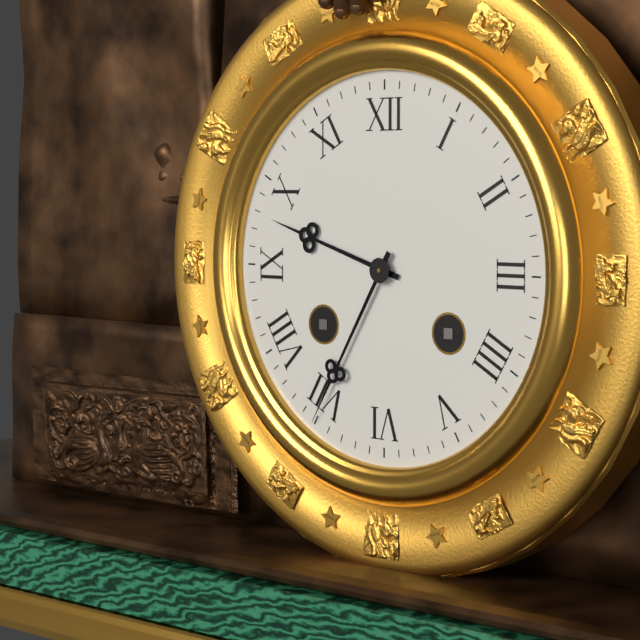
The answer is {"hour": 9, "minute": 35}
